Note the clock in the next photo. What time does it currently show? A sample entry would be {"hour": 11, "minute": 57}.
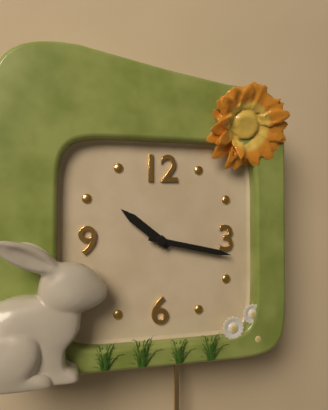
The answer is {"hour": 10, "minute": 17}
